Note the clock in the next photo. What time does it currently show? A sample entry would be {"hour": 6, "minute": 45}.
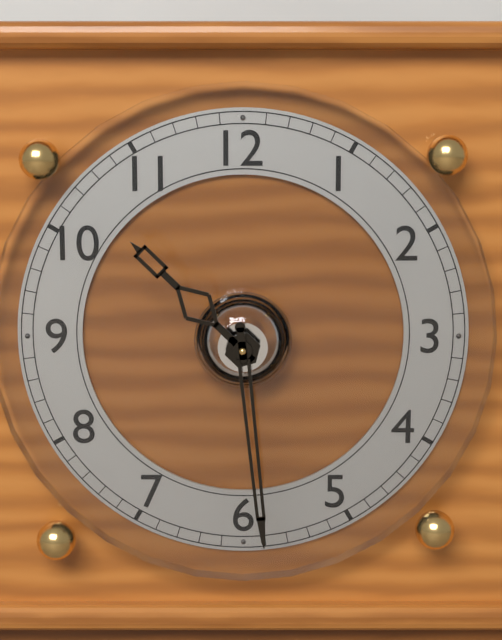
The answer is {"hour": 10, "minute": 29}
